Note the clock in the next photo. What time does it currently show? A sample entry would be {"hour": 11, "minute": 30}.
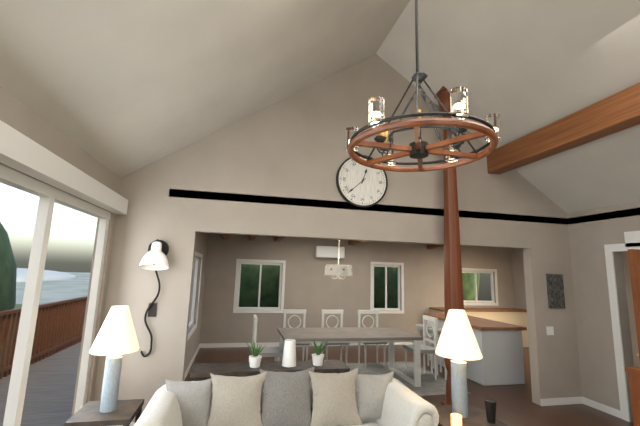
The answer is {"hour": 12, "minute": 38}
